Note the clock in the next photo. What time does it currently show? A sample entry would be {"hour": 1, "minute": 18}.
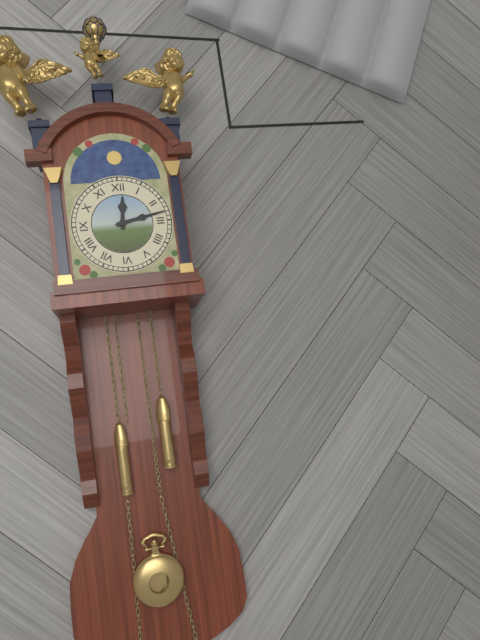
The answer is {"hour": 12, "minute": 13}
